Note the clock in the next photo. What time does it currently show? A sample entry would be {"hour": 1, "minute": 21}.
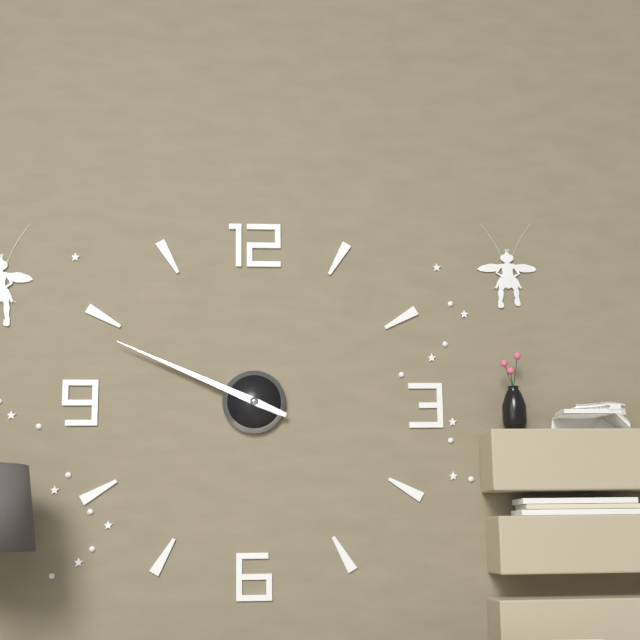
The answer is {"hour": 9, "minute": 49}
